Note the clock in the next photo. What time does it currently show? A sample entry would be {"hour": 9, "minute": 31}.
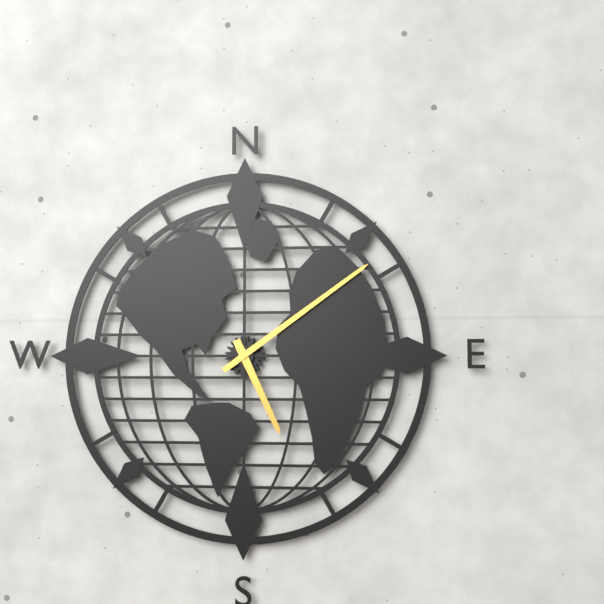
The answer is {"hour": 5, "minute": 9}
